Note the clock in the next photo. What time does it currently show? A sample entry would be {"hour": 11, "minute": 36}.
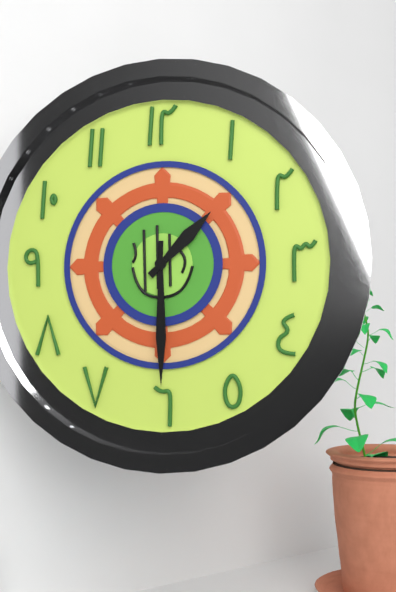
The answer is {"hour": 1, "minute": 30}
